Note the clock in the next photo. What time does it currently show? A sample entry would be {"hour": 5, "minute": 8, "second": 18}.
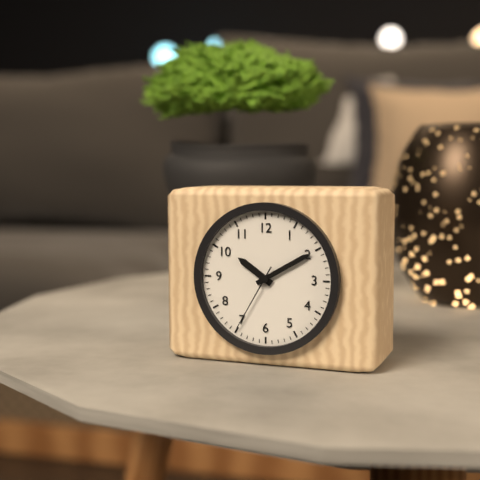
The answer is {"hour": 10, "minute": 10, "second": 35}
